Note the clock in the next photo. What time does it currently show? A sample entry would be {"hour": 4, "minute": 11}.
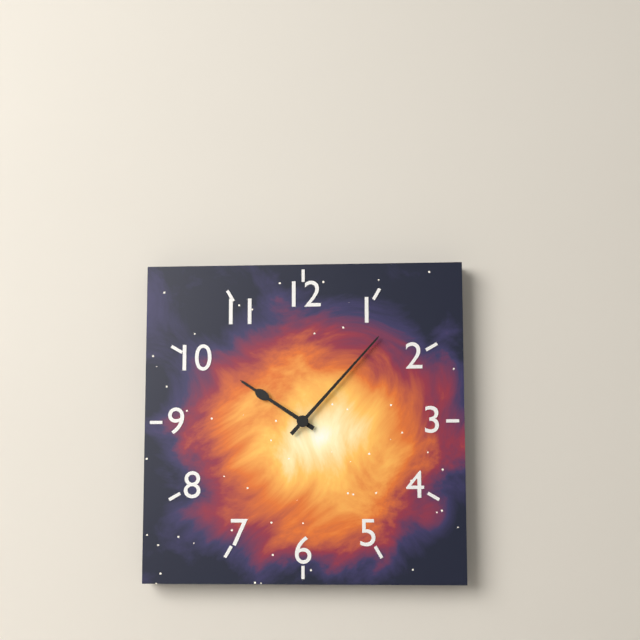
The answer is {"hour": 10, "minute": 7}
